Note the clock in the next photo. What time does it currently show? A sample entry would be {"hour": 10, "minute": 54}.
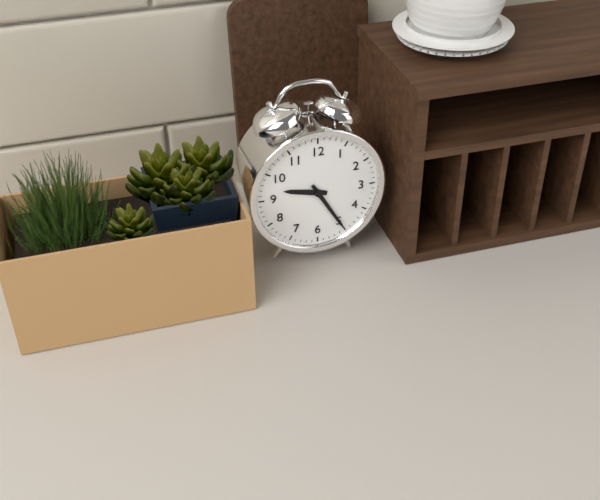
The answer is {"hour": 9, "minute": 25}
